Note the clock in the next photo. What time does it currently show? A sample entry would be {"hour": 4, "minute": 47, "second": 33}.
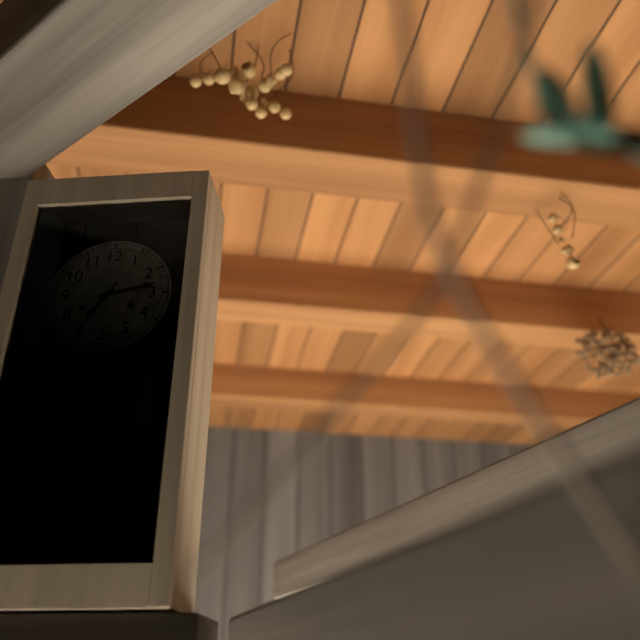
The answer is {"hour": 7, "minute": 13, "second": 35}
